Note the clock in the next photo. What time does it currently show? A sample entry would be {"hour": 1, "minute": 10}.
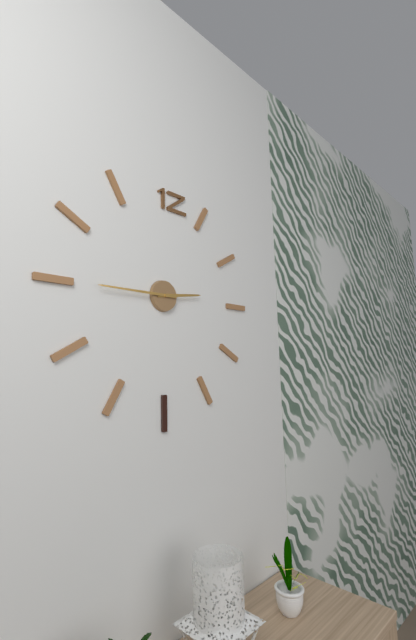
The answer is {"hour": 2, "minute": 45}
